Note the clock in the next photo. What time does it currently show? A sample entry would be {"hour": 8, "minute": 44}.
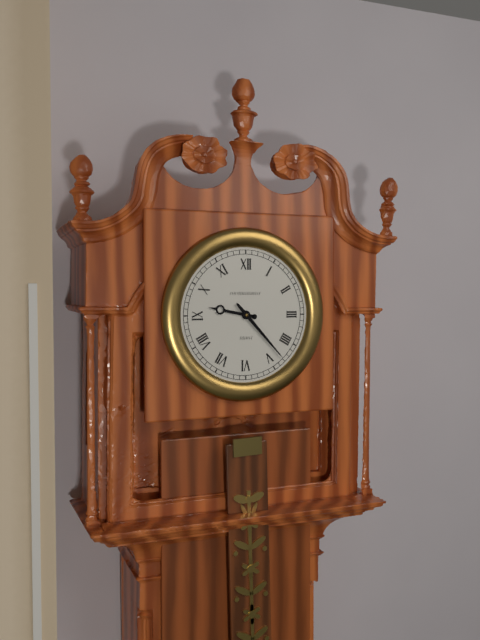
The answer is {"hour": 9, "minute": 23}
